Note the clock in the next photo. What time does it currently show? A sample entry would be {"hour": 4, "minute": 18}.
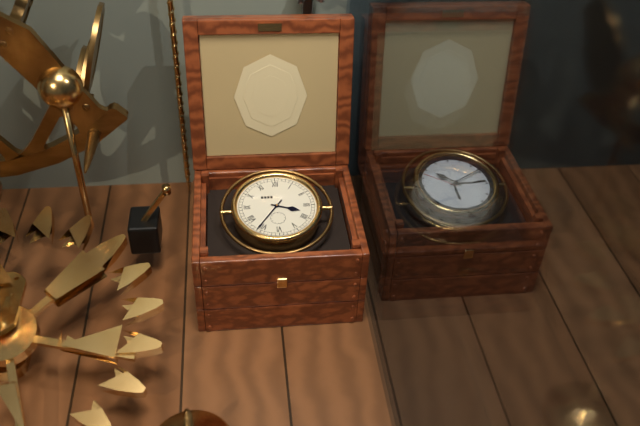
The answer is {"hour": 3, "minute": 36}
